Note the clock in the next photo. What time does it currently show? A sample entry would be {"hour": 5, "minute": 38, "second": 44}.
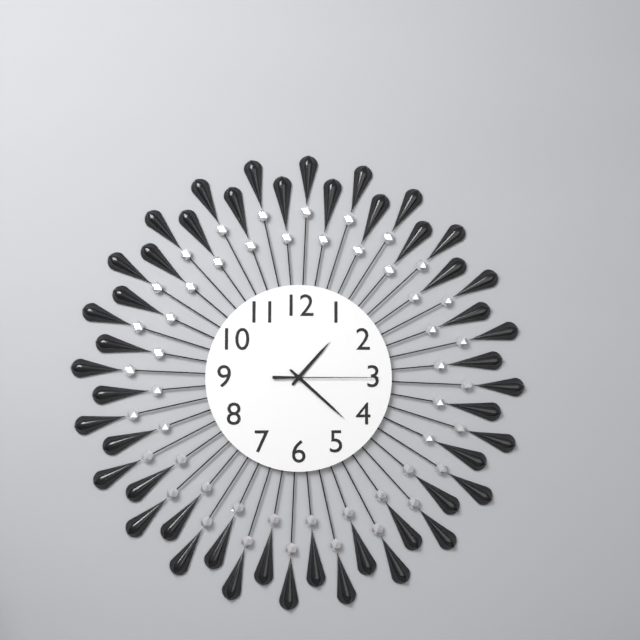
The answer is {"hour": 1, "minute": 22, "second": 15}
